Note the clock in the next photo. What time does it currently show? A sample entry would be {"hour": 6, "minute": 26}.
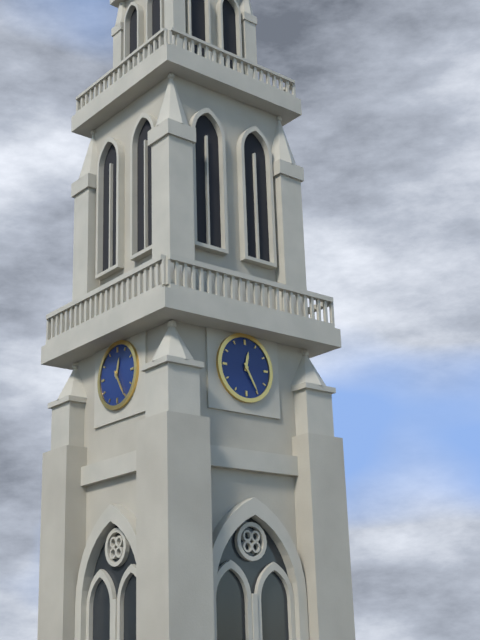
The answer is {"hour": 12, "minute": 25}
